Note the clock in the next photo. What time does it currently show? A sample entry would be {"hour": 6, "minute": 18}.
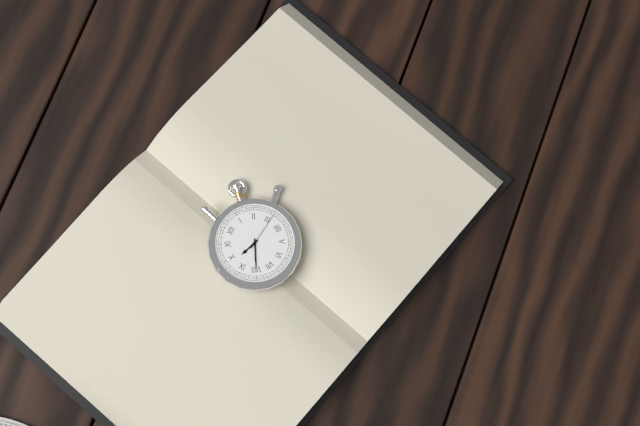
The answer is {"hour": 9, "minute": 40}
